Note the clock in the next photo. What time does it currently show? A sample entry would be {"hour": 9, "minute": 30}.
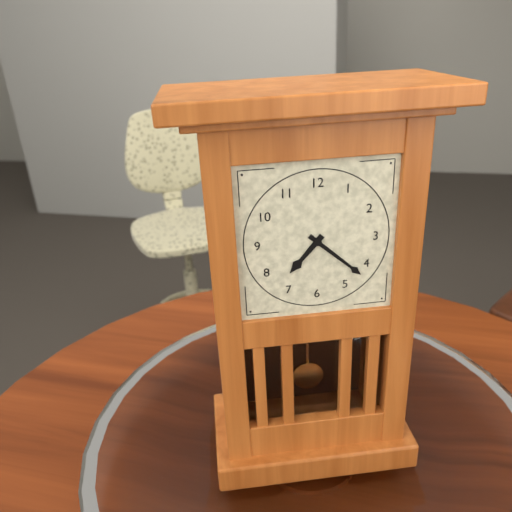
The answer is {"hour": 7, "minute": 22}
